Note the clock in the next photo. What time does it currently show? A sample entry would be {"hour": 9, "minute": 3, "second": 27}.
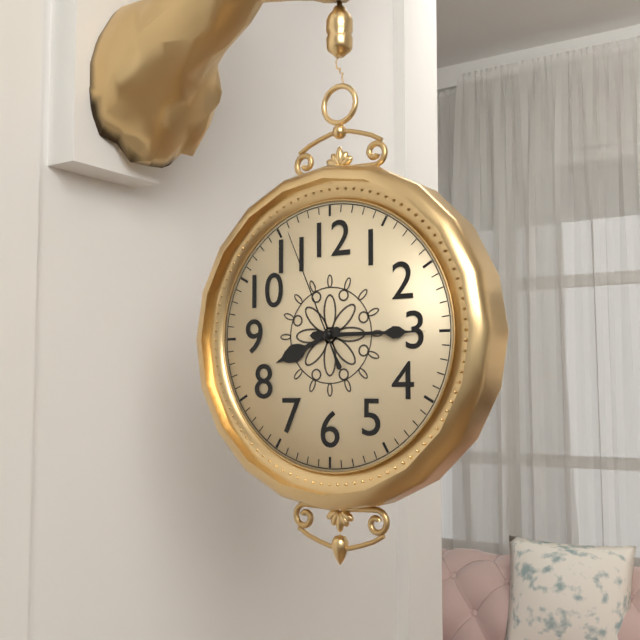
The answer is {"hour": 8, "minute": 15, "second": 56}
